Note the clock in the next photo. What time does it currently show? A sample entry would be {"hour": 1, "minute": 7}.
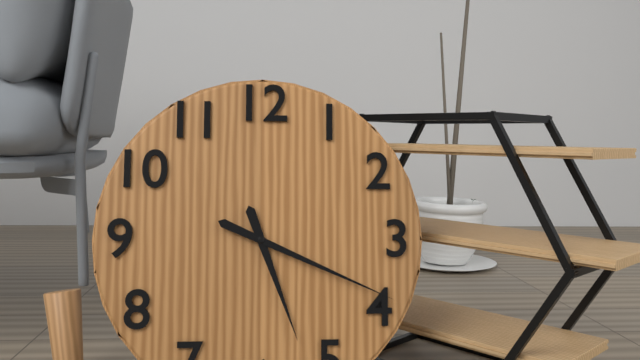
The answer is {"hour": 5, "minute": 19}
